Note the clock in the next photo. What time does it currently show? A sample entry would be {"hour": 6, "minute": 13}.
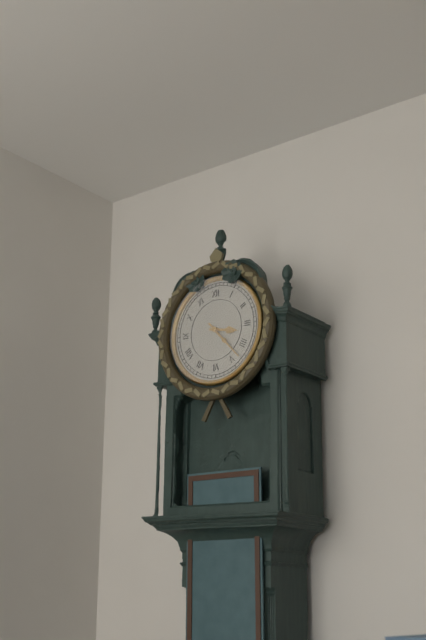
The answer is {"hour": 3, "minute": 23}
